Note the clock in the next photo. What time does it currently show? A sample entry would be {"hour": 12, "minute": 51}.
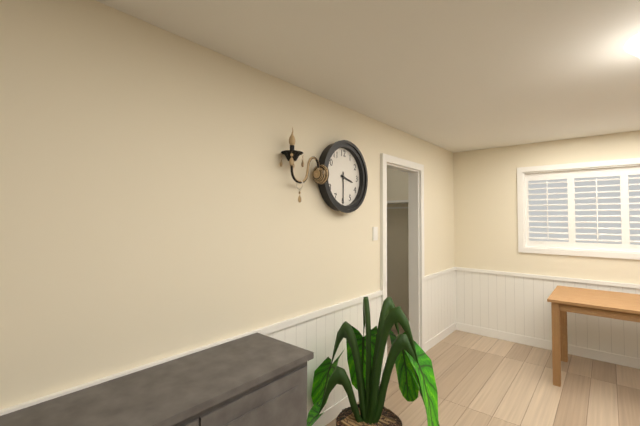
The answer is {"hour": 3, "minute": 30}
